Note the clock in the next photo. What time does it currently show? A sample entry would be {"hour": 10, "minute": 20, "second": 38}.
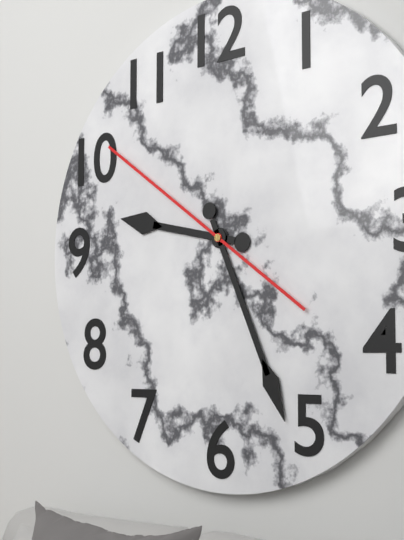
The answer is {"hour": 9, "minute": 26, "second": 51}
